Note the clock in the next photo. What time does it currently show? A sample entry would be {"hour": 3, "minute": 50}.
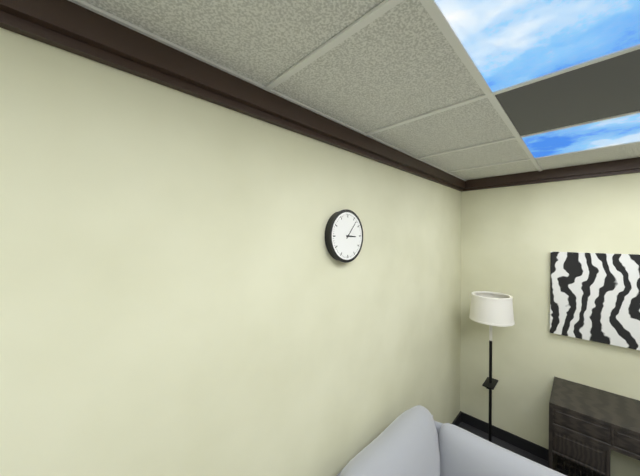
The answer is {"hour": 3, "minute": 7}
